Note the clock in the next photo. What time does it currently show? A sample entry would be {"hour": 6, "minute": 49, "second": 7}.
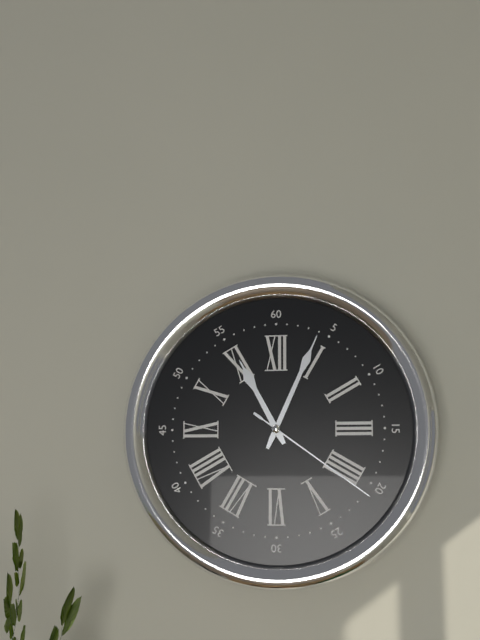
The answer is {"hour": 11, "minute": 4, "second": 21}
